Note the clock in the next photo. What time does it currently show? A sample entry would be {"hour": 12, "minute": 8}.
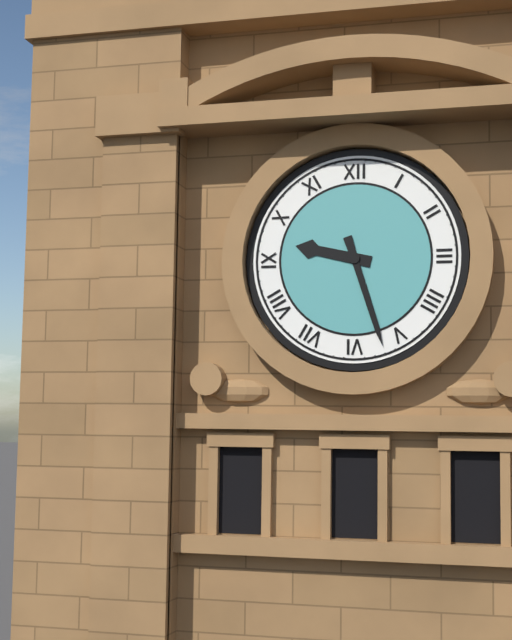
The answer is {"hour": 9, "minute": 27}
